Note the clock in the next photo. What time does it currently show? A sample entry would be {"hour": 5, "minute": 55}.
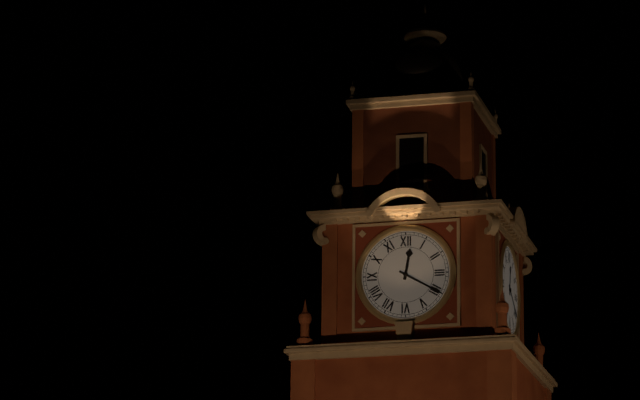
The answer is {"hour": 12, "minute": 20}
